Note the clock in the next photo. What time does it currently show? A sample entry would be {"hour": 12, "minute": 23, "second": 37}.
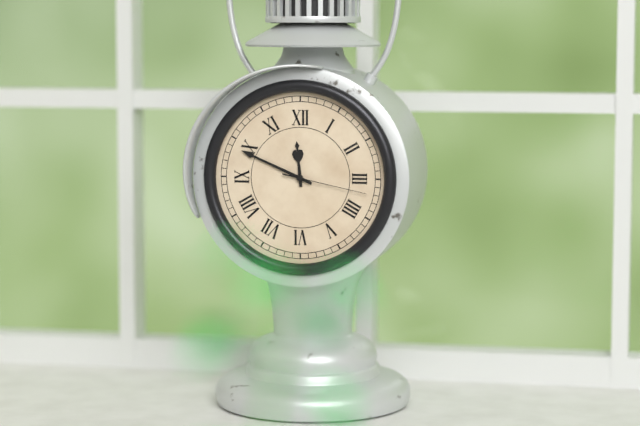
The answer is {"hour": 11, "minute": 49, "second": 17}
